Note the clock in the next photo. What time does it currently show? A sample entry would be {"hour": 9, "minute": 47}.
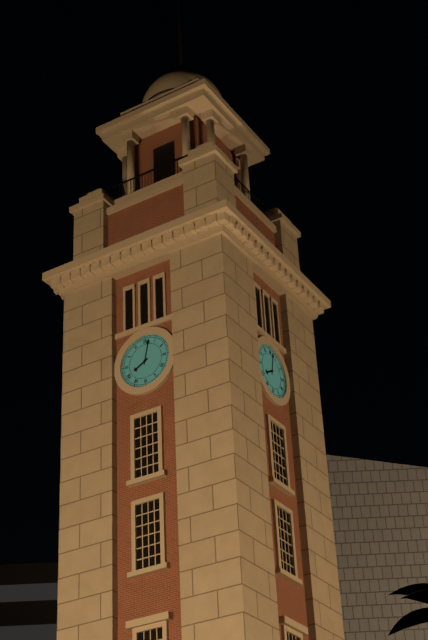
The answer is {"hour": 8, "minute": 2}
